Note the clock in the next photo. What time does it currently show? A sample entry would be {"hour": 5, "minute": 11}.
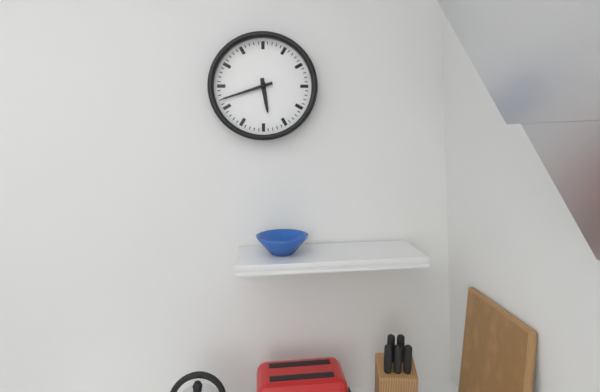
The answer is {"hour": 5, "minute": 42}
